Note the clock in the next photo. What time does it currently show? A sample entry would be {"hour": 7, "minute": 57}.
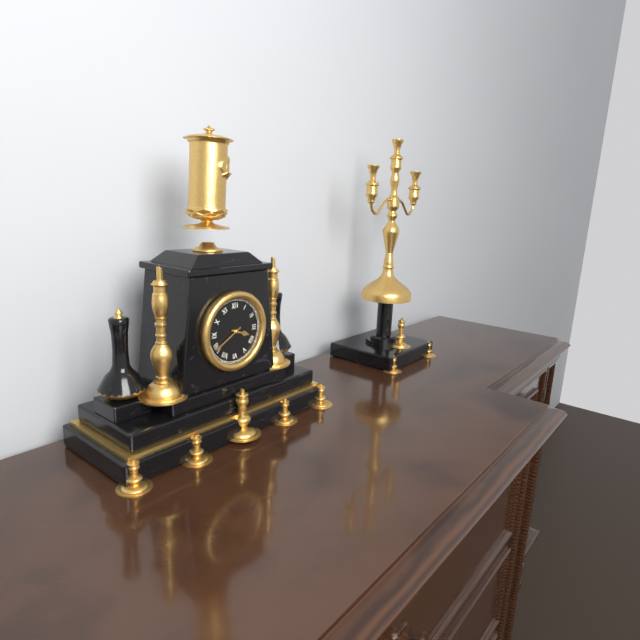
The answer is {"hour": 3, "minute": 40}
